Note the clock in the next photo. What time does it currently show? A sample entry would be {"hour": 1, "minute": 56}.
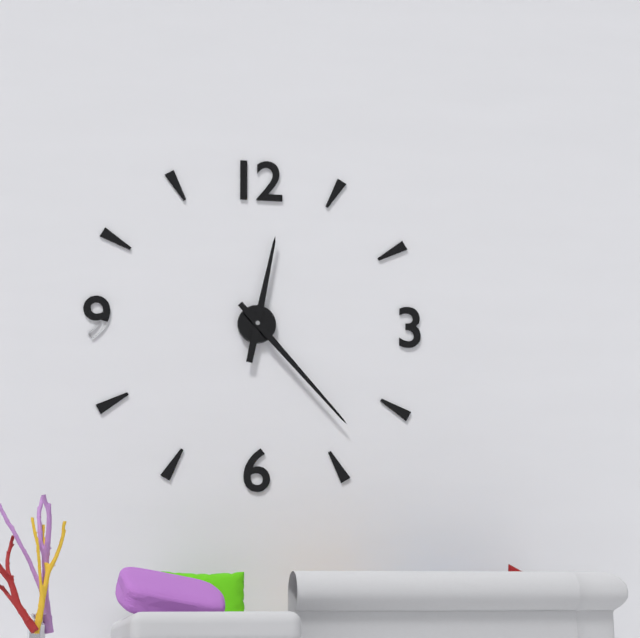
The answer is {"hour": 12, "minute": 23}
